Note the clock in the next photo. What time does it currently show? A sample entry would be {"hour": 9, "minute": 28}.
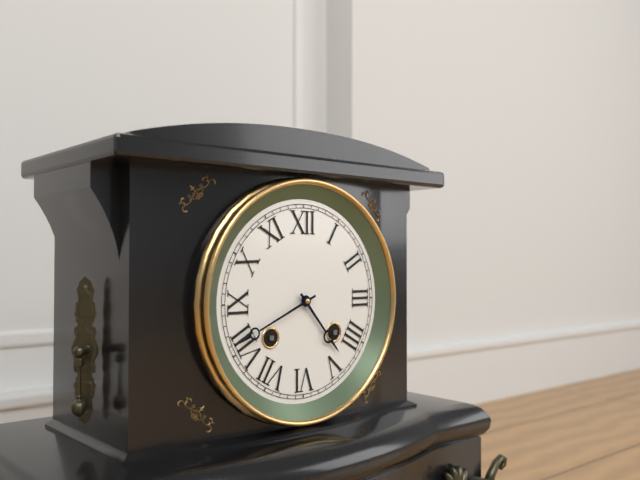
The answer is {"hour": 4, "minute": 41}
